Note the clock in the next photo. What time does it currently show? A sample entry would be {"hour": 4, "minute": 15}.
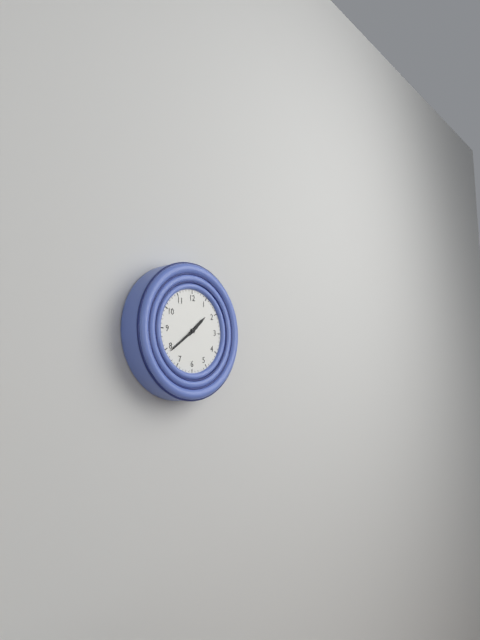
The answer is {"hour": 1, "minute": 39}
